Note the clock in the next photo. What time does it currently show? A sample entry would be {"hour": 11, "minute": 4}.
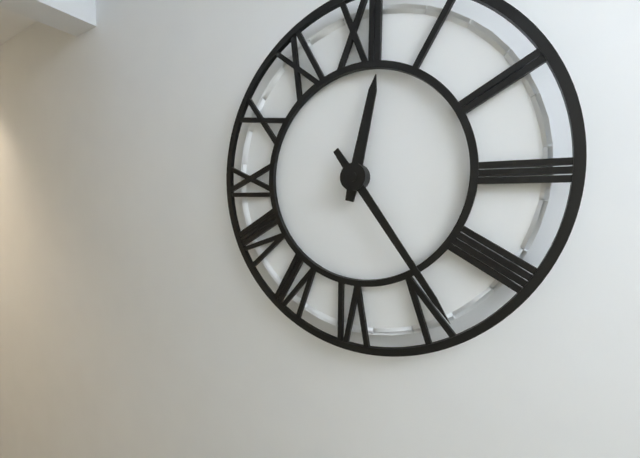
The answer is {"hour": 12, "minute": 24}
